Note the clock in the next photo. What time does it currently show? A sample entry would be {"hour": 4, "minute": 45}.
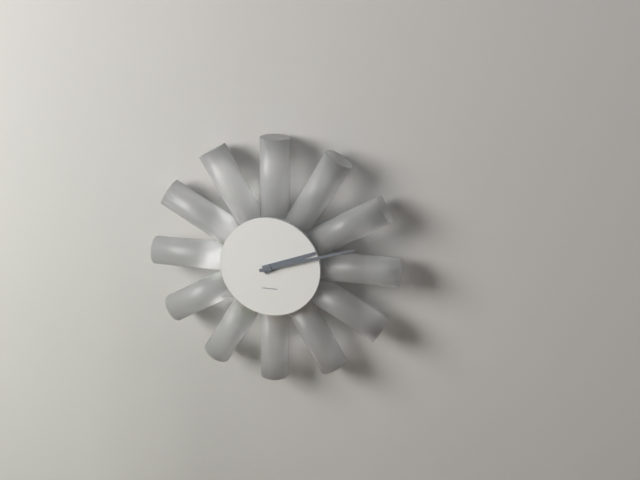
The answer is {"hour": 2, "minute": 12}
